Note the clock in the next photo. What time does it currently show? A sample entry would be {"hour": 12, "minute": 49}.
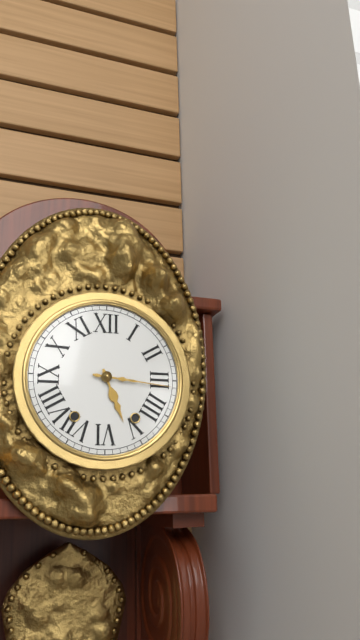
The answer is {"hour": 5, "minute": 16}
